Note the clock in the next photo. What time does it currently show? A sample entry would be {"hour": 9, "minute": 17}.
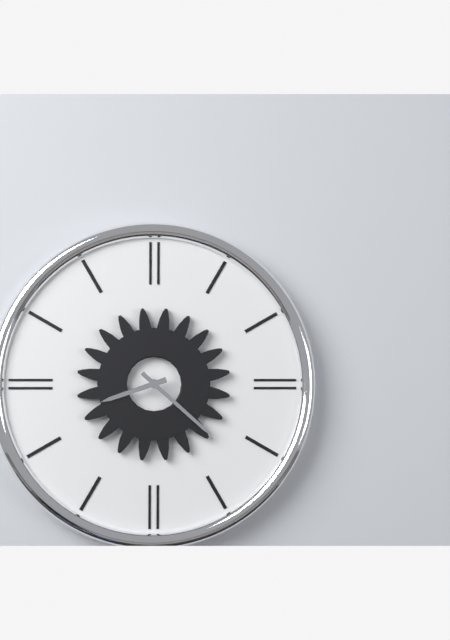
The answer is {"hour": 8, "minute": 22}
